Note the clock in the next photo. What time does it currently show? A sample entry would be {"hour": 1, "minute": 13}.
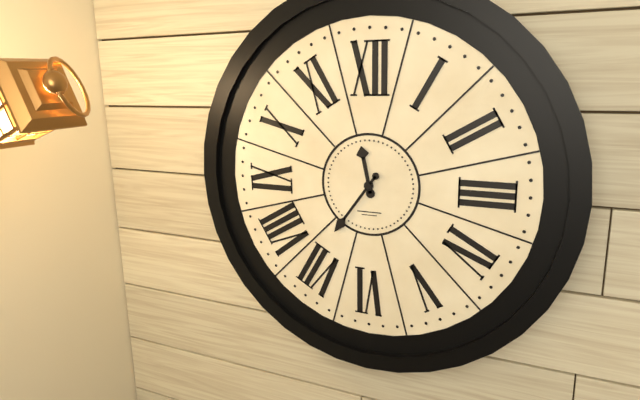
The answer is {"hour": 11, "minute": 36}
